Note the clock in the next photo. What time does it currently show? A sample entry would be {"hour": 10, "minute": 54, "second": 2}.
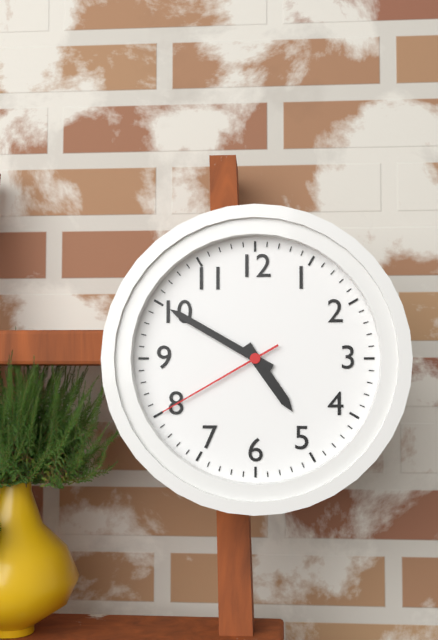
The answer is {"hour": 4, "minute": 50, "second": 40}
